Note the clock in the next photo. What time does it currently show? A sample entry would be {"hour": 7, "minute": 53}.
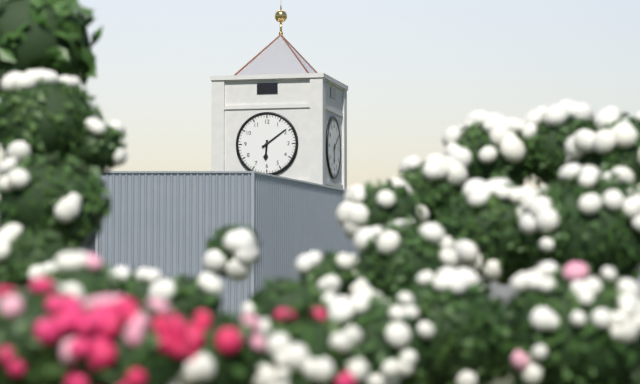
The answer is {"hour": 6, "minute": 9}
